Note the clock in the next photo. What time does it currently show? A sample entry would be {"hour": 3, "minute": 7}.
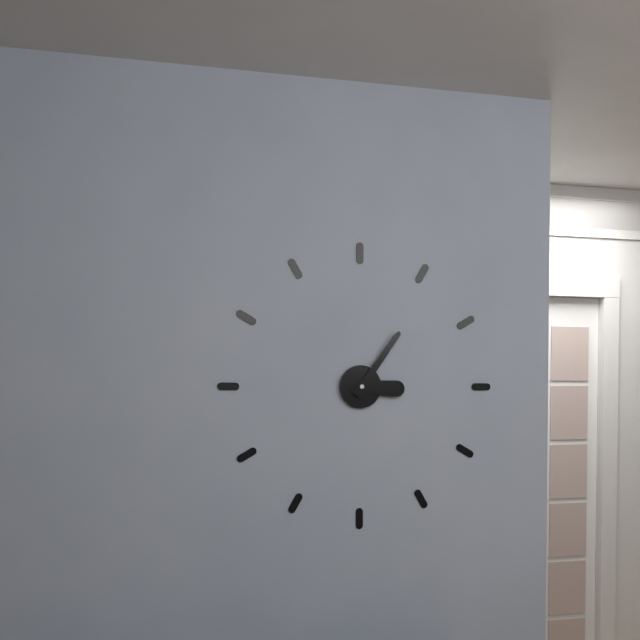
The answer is {"hour": 3, "minute": 6}
